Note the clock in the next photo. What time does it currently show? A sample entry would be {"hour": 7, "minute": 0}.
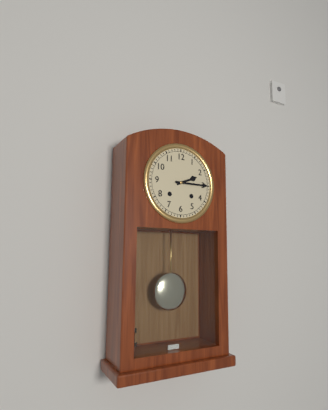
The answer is {"hour": 2, "minute": 15}
